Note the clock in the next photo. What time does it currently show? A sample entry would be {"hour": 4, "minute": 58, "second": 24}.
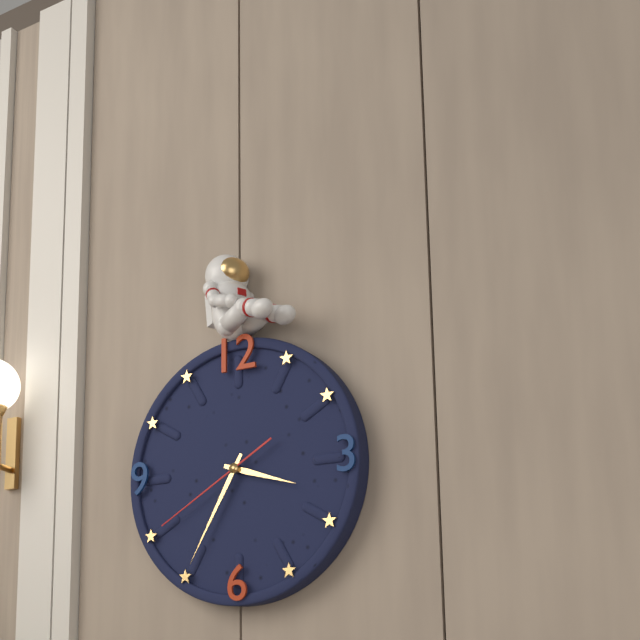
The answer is {"hour": 3, "minute": 35, "second": 40}
